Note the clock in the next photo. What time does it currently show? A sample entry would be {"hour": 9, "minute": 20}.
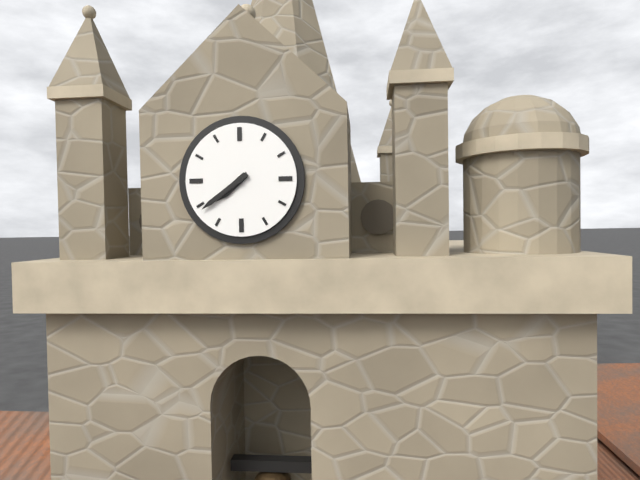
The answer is {"hour": 7, "minute": 39}
